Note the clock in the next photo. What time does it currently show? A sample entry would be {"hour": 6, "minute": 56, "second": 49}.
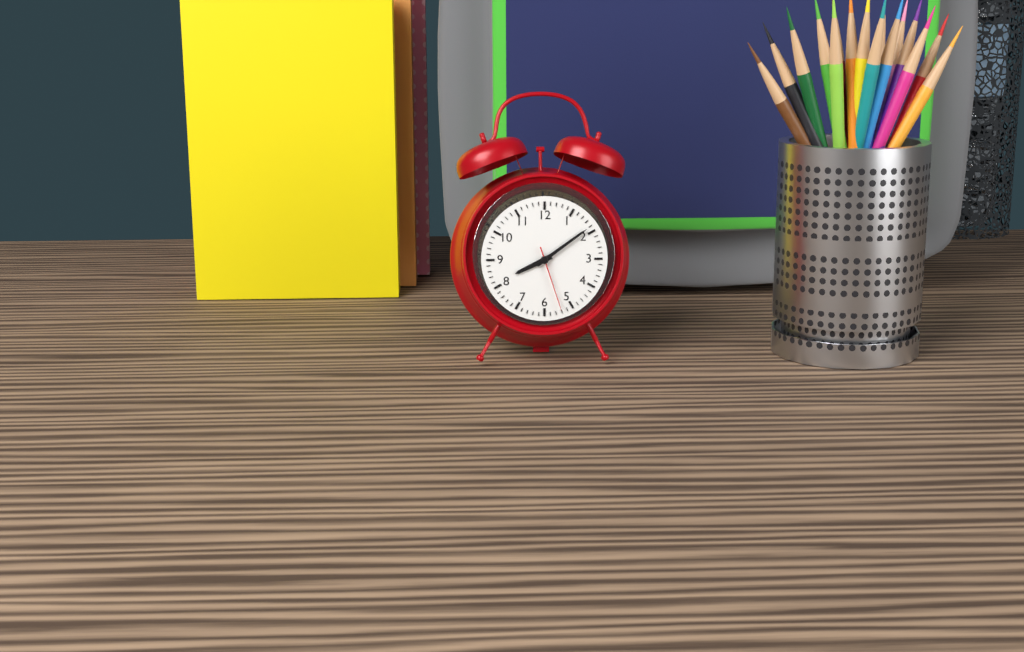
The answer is {"hour": 8, "minute": 9, "second": 27}
